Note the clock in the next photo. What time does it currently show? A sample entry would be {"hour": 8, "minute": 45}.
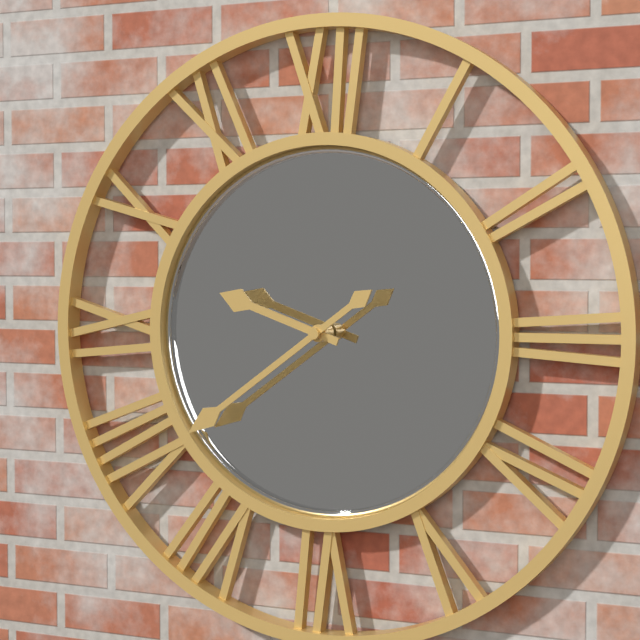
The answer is {"hour": 9, "minute": 39}
